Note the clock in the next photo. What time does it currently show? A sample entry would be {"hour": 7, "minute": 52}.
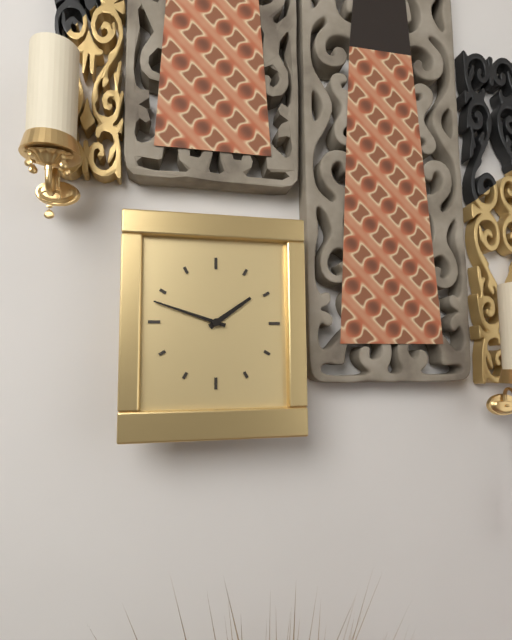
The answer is {"hour": 1, "minute": 48}
